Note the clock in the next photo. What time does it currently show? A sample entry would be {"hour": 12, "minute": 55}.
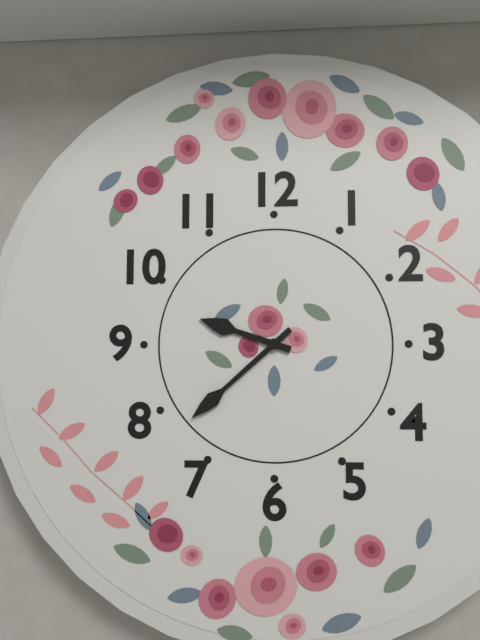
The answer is {"hour": 9, "minute": 38}
